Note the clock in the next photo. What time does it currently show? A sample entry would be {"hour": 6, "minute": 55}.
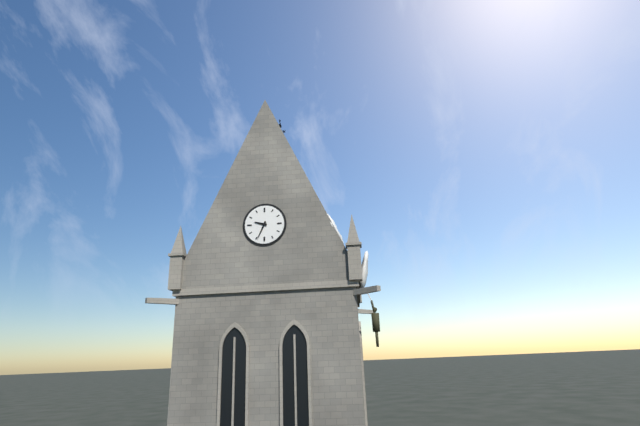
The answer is {"hour": 9, "minute": 34}
